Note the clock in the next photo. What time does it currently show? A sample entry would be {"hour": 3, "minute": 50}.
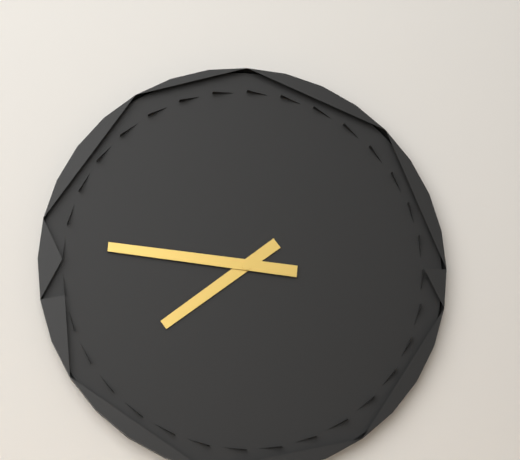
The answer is {"hour": 7, "minute": 46}
